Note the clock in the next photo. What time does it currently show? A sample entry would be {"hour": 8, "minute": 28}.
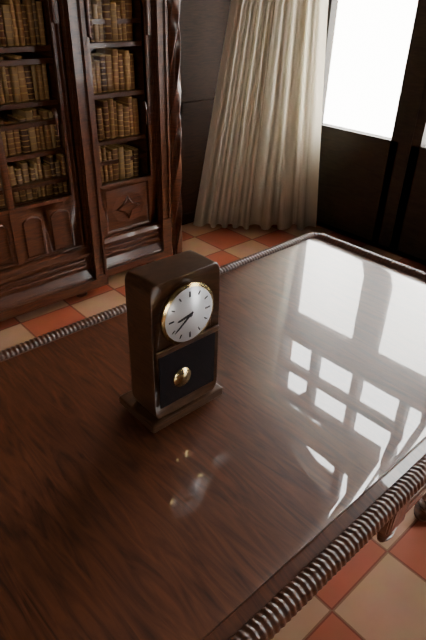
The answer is {"hour": 8, "minute": 39}
